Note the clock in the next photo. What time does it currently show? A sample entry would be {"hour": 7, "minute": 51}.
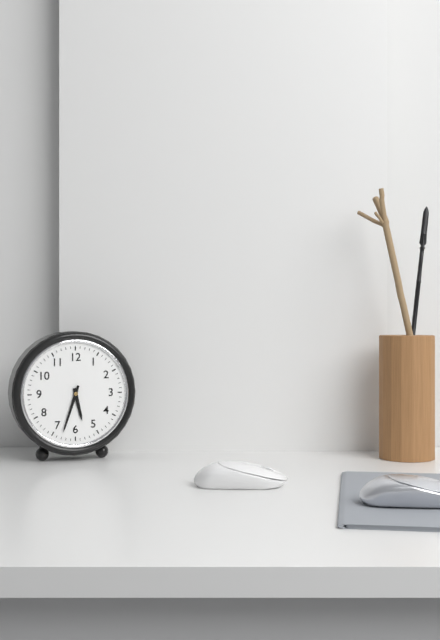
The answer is {"hour": 5, "minute": 33}
